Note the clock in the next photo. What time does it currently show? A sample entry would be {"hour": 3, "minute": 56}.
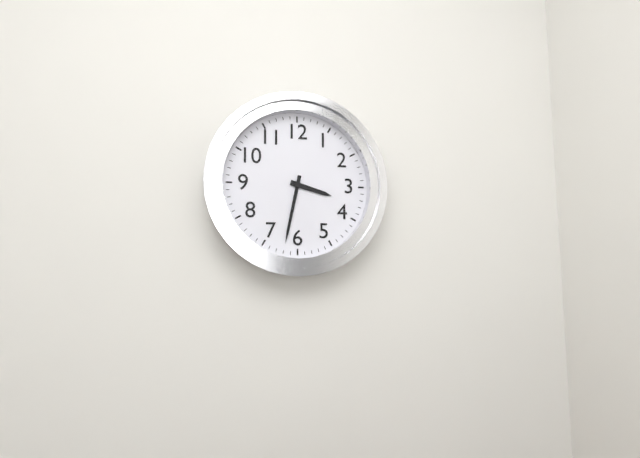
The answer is {"hour": 3, "minute": 32}
